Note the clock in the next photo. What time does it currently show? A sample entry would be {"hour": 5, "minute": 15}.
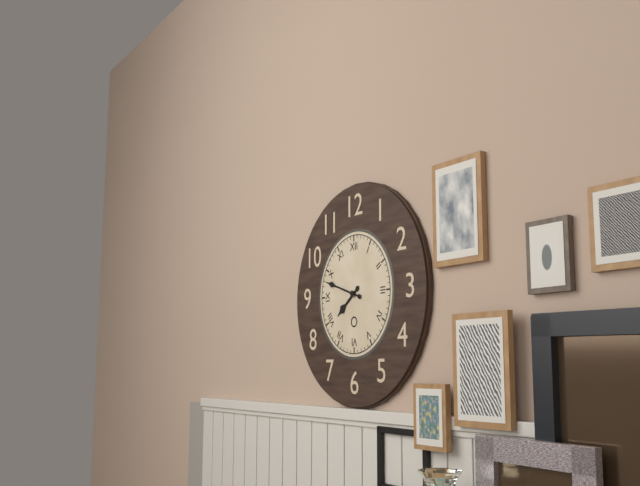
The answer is {"hour": 7, "minute": 48}
